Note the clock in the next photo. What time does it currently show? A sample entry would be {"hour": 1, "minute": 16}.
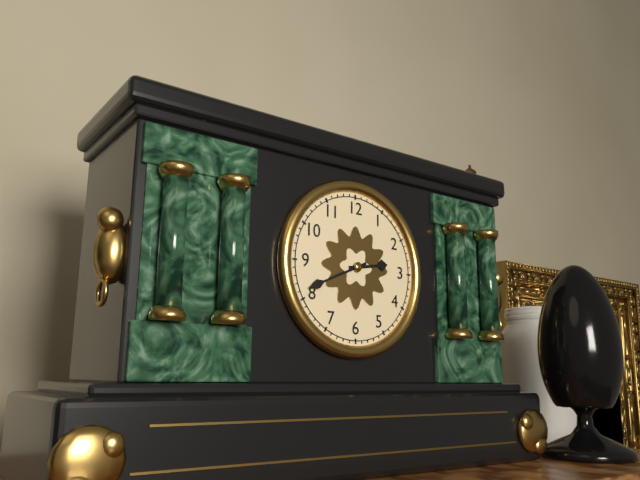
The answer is {"hour": 2, "minute": 41}
